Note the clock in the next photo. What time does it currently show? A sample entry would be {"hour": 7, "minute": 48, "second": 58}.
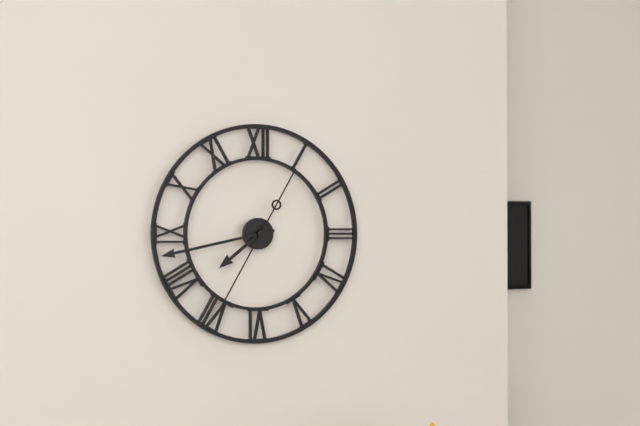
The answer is {"hour": 7, "minute": 43, "second": 35}
